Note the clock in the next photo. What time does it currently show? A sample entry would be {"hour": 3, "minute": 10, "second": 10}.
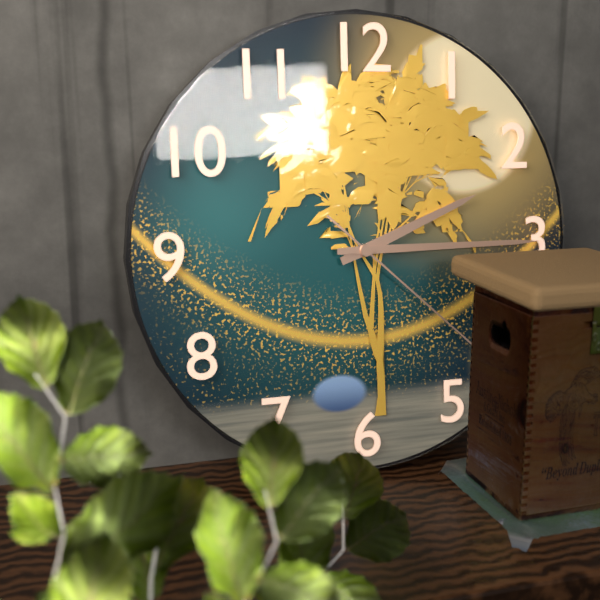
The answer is {"hour": 2, "minute": 15, "second": 22}
